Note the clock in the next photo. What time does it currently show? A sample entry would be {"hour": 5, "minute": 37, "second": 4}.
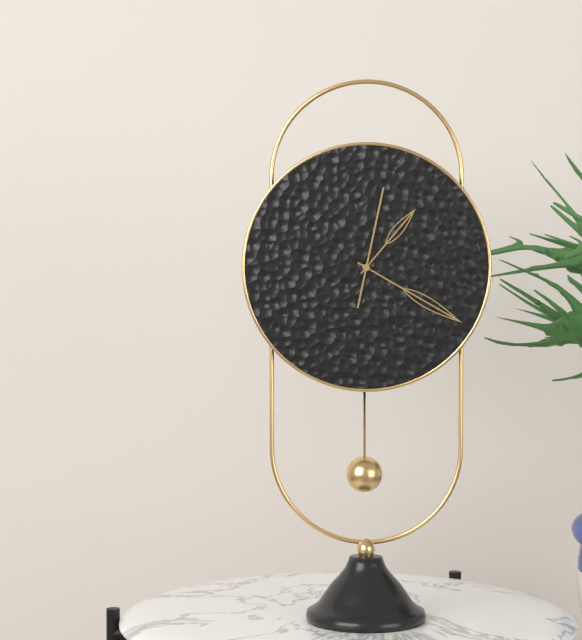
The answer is {"hour": 1, "minute": 20, "second": 2}
